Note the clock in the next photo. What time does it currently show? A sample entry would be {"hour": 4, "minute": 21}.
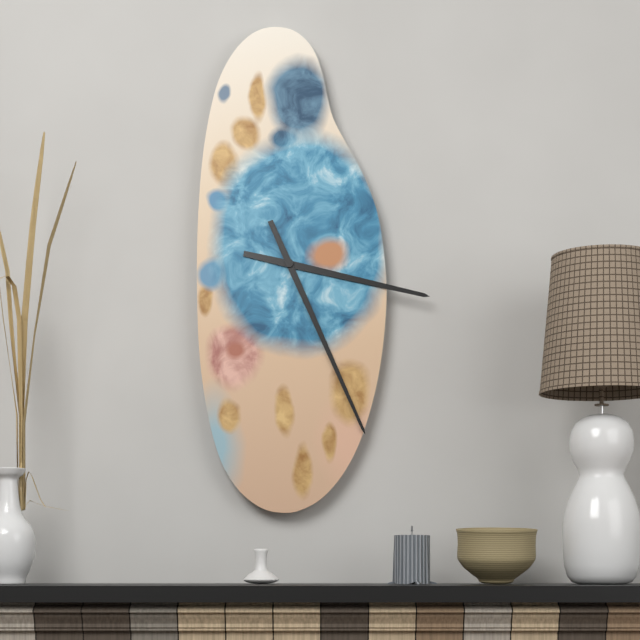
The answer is {"hour": 3, "minute": 26}
